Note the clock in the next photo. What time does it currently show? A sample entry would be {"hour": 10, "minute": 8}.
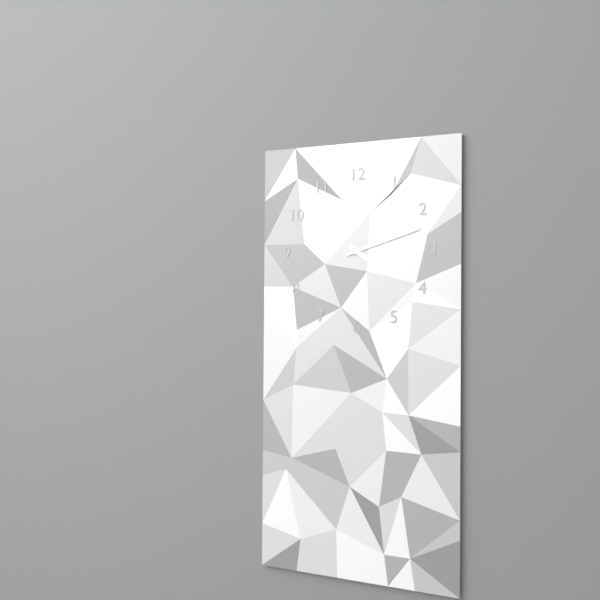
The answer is {"hour": 4, "minute": 12}
